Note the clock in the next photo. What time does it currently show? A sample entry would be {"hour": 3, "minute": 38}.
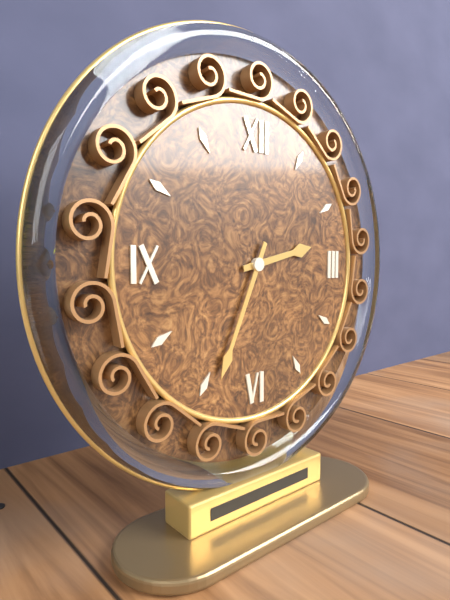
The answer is {"hour": 2, "minute": 34}
